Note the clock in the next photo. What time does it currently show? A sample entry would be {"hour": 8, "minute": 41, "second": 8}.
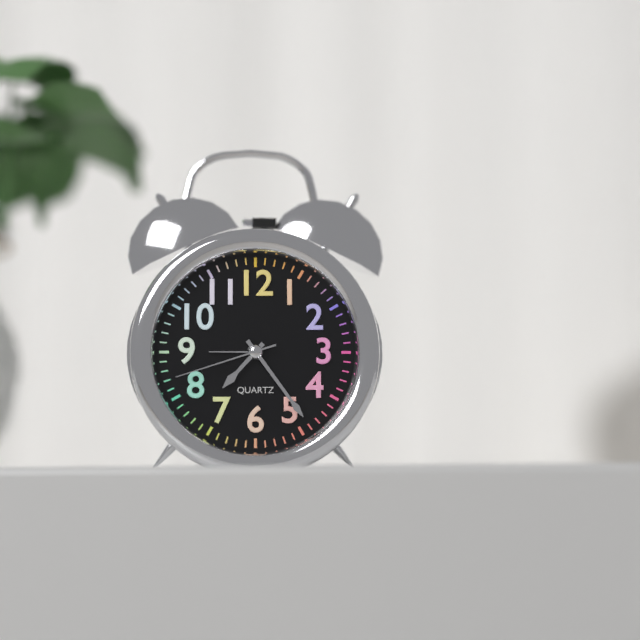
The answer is {"hour": 7, "minute": 24, "second": 42}
